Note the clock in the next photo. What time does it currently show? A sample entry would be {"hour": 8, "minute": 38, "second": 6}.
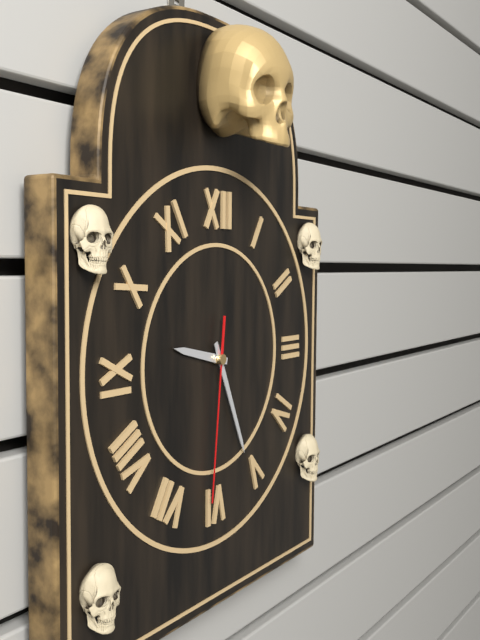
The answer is {"hour": 9, "minute": 26, "second": 31}
